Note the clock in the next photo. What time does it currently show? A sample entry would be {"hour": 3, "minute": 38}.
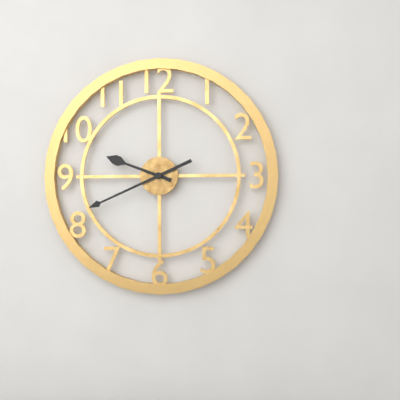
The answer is {"hour": 9, "minute": 41}
